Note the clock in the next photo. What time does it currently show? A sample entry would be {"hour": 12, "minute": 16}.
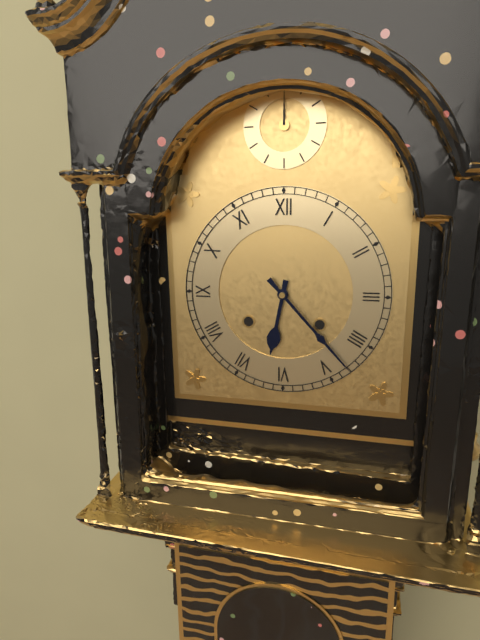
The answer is {"hour": 6, "minute": 23}
